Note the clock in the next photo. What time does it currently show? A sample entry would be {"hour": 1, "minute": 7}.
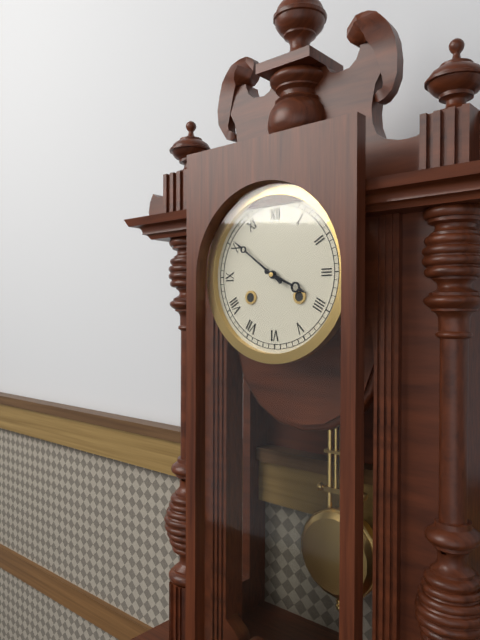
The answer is {"hour": 3, "minute": 51}
